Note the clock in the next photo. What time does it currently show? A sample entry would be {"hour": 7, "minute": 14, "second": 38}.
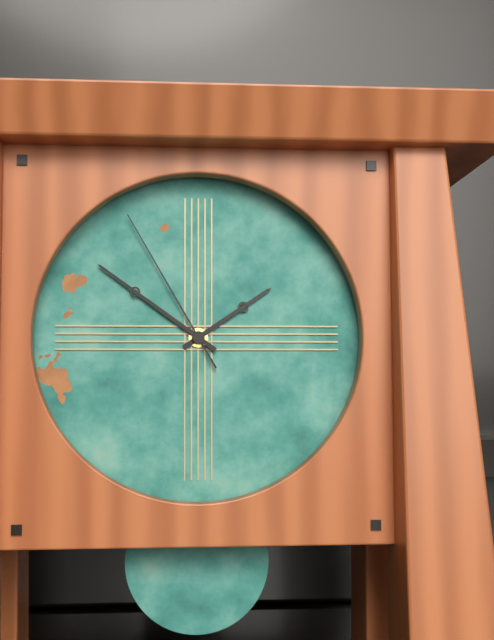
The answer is {"hour": 1, "minute": 51, "second": 55}
